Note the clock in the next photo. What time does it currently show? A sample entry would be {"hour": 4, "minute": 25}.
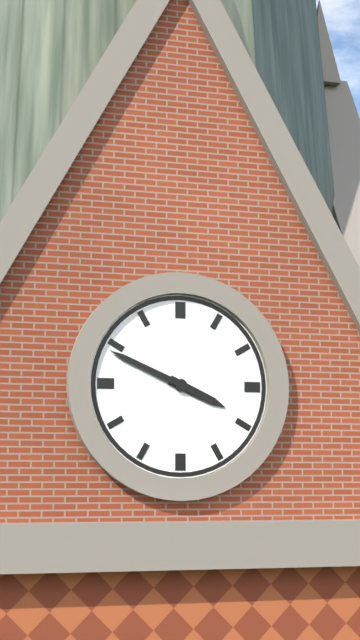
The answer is {"hour": 3, "minute": 49}
